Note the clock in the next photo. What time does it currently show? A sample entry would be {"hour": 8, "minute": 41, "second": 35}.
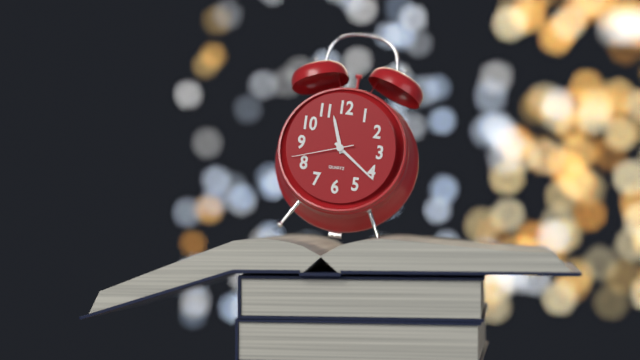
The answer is {"hour": 11, "minute": 21, "second": 42}
